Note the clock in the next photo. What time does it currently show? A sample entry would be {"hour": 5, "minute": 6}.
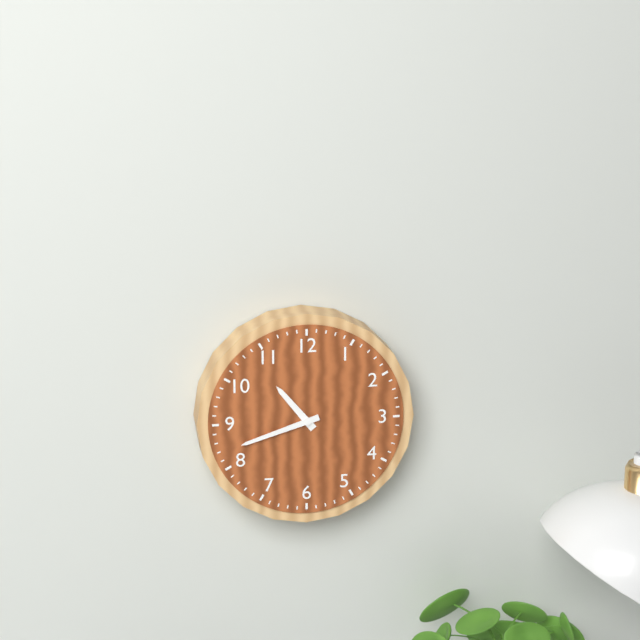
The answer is {"hour": 10, "minute": 42}
